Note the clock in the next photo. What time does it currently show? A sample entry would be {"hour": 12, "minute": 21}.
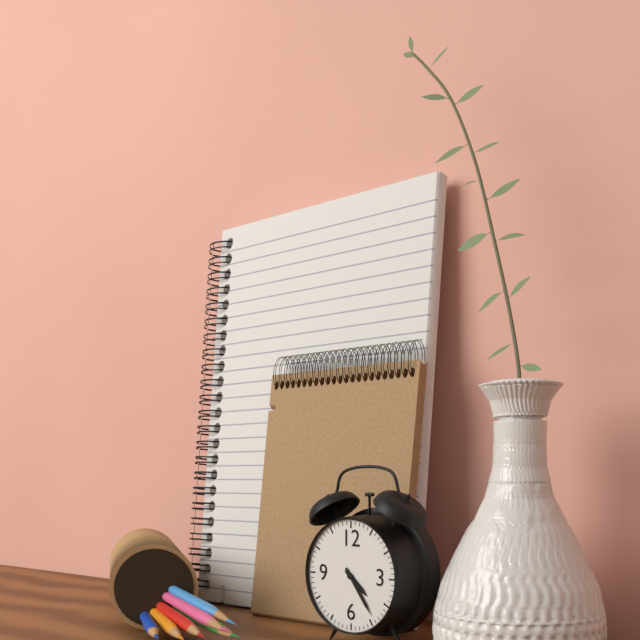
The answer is {"hour": 4, "minute": 24}
